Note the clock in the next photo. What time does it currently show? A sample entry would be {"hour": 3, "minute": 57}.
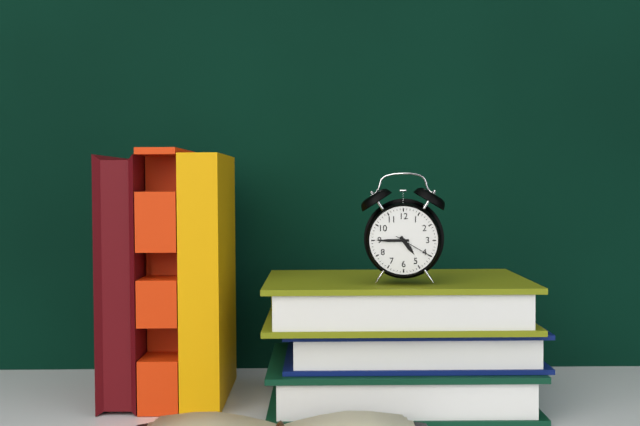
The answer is {"hour": 4, "minute": 45}
